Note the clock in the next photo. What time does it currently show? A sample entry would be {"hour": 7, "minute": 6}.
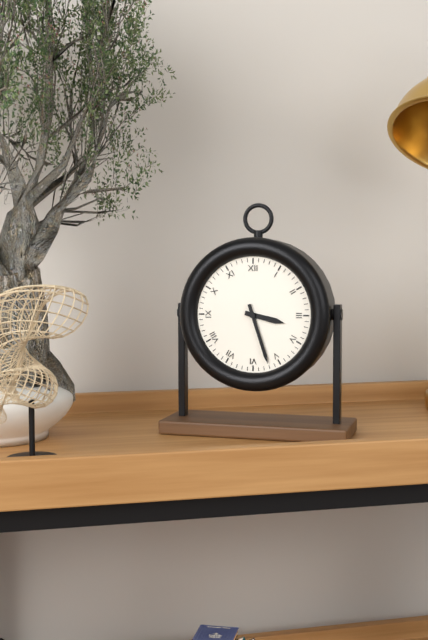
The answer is {"hour": 3, "minute": 27}
